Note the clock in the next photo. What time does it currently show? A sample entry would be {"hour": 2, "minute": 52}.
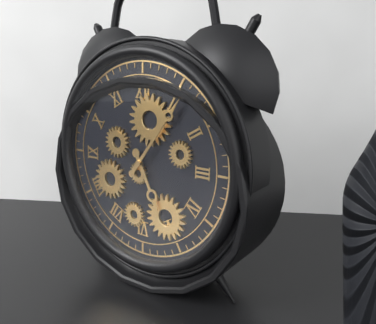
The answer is {"hour": 5, "minute": 6}
